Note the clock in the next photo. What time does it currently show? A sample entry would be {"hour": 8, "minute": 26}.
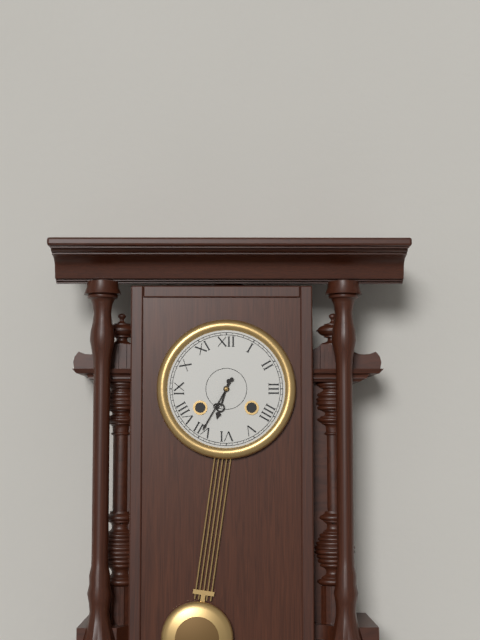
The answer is {"hour": 6, "minute": 35}
